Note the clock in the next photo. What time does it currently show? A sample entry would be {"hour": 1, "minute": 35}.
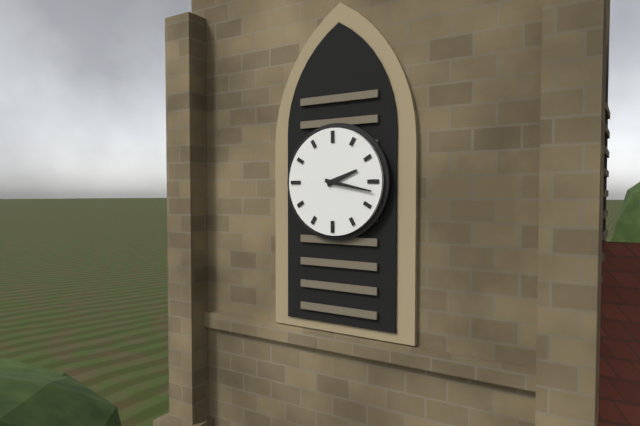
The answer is {"hour": 2, "minute": 17}
